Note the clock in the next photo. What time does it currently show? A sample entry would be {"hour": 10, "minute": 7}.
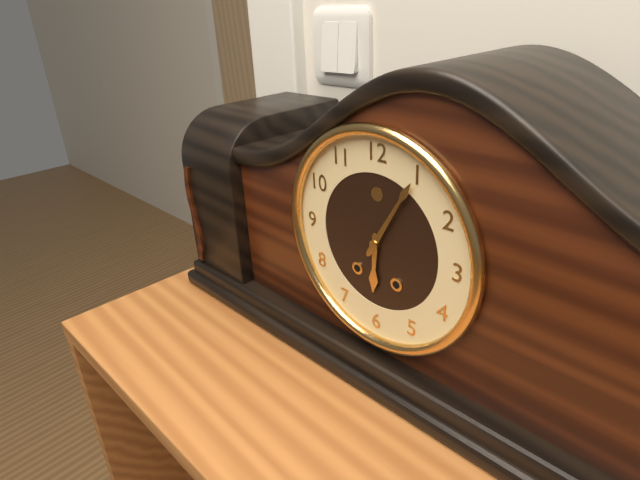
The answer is {"hour": 6, "minute": 5}
